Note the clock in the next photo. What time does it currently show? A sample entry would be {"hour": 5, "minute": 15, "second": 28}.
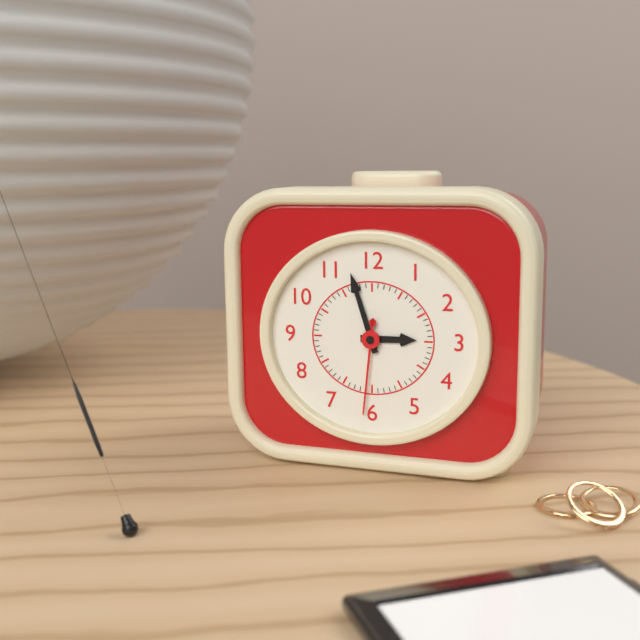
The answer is {"hour": 2, "minute": 57, "second": 31}
